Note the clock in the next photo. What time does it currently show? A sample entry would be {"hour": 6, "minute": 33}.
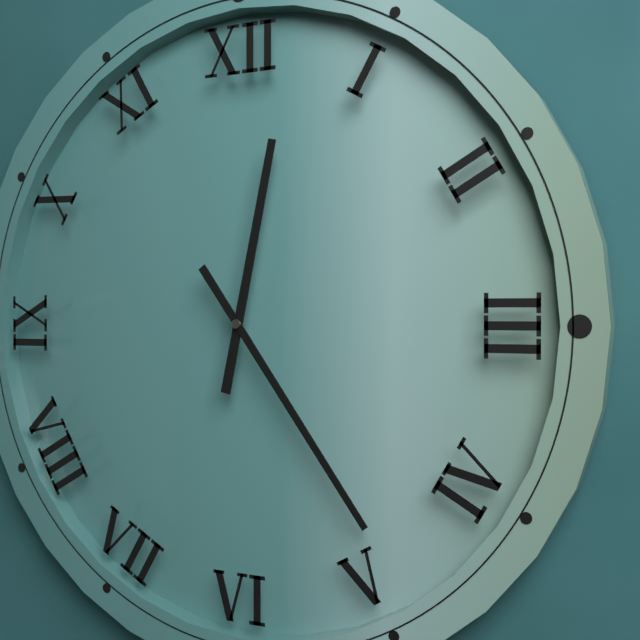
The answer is {"hour": 12, "minute": 24}
